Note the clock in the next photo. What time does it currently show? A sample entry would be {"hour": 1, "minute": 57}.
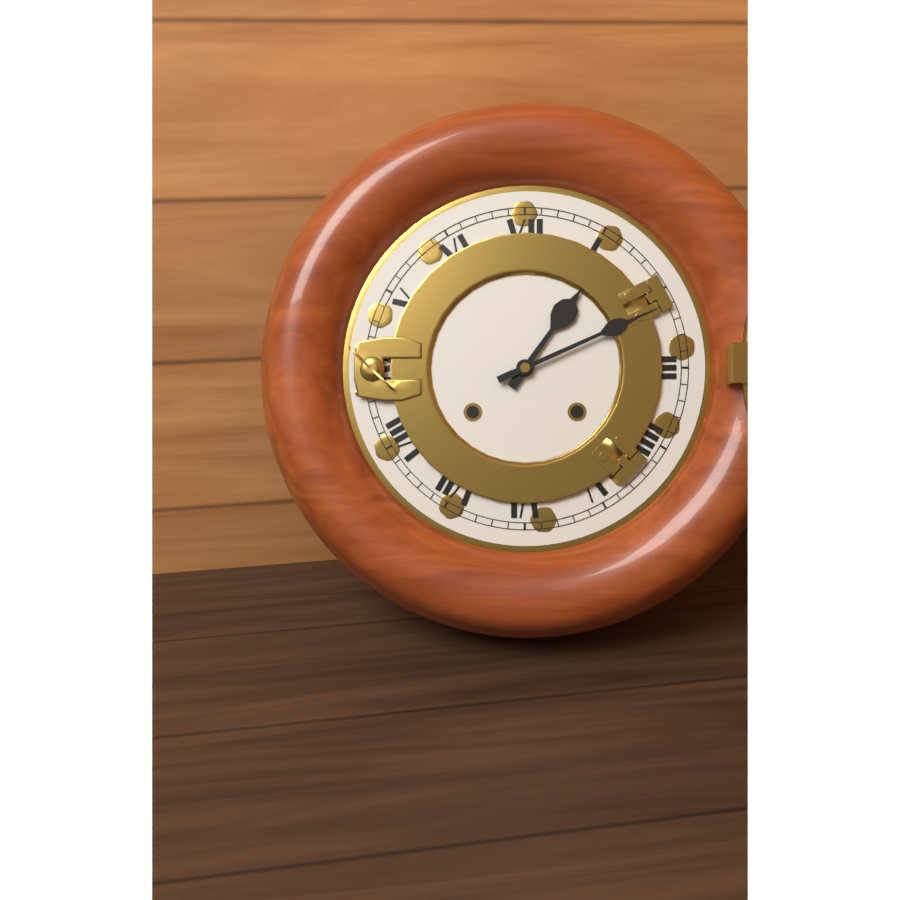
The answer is {"hour": 1, "minute": 11}
